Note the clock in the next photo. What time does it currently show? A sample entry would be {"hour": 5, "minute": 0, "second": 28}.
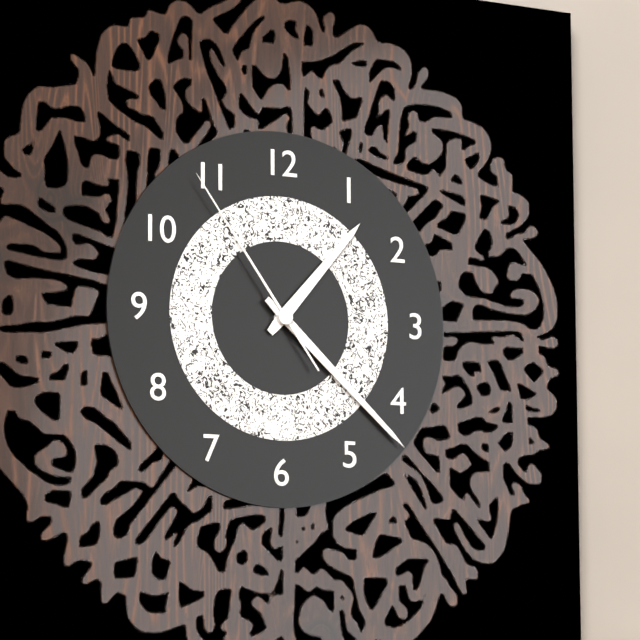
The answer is {"hour": 1, "minute": 22, "second": 54}
